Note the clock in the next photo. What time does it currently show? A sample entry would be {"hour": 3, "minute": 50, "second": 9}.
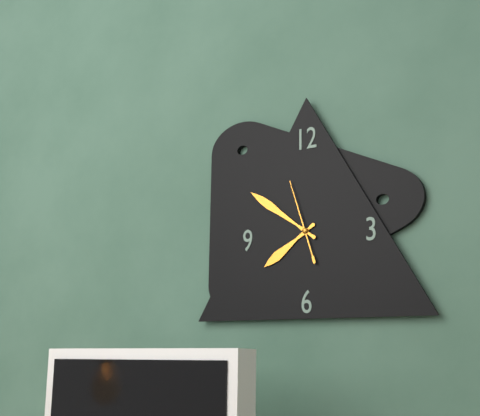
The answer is {"hour": 7, "minute": 51, "second": 57}
